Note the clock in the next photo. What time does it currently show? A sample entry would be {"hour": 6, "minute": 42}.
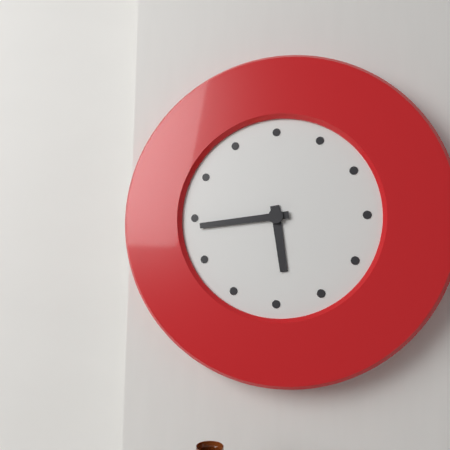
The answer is {"hour": 5, "minute": 44}
